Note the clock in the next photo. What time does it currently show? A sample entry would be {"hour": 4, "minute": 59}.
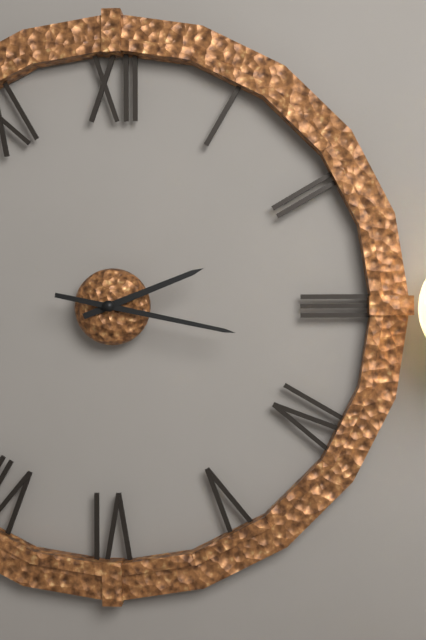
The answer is {"hour": 2, "minute": 17}
